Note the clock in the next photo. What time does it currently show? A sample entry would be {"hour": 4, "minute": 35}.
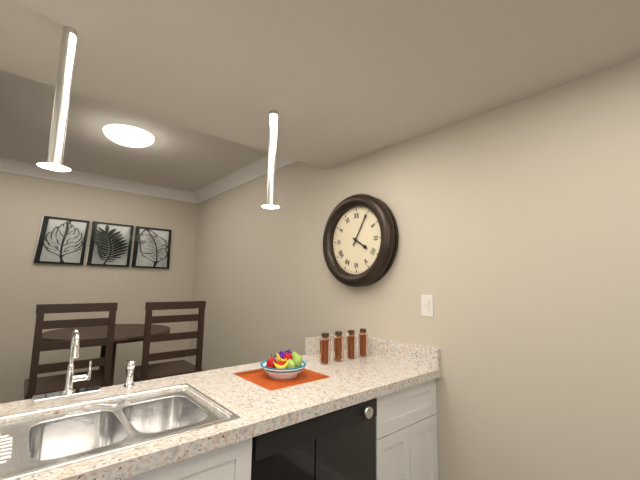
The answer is {"hour": 4, "minute": 5}
